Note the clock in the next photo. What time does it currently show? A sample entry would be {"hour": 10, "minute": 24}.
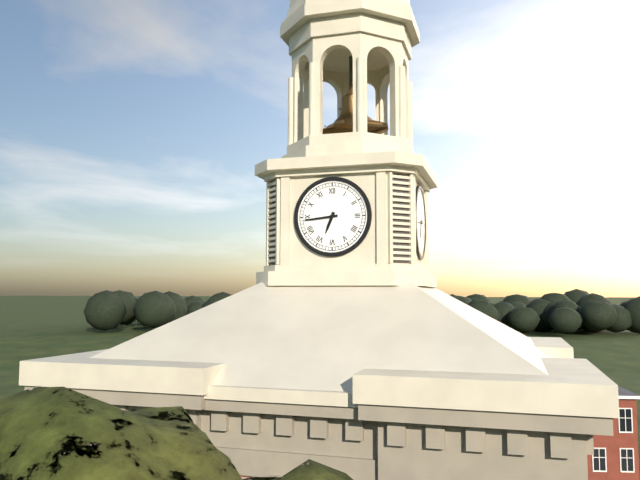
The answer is {"hour": 6, "minute": 44}
